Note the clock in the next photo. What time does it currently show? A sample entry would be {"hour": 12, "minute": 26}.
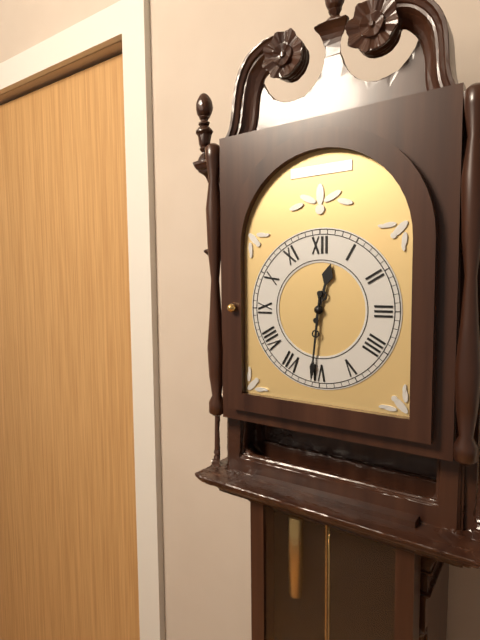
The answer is {"hour": 12, "minute": 31}
